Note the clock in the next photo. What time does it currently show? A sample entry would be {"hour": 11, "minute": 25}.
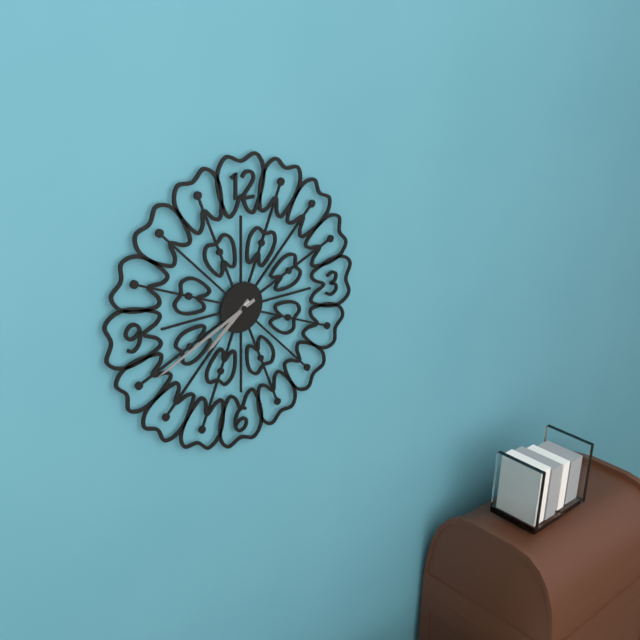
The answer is {"hour": 7, "minute": 41}
